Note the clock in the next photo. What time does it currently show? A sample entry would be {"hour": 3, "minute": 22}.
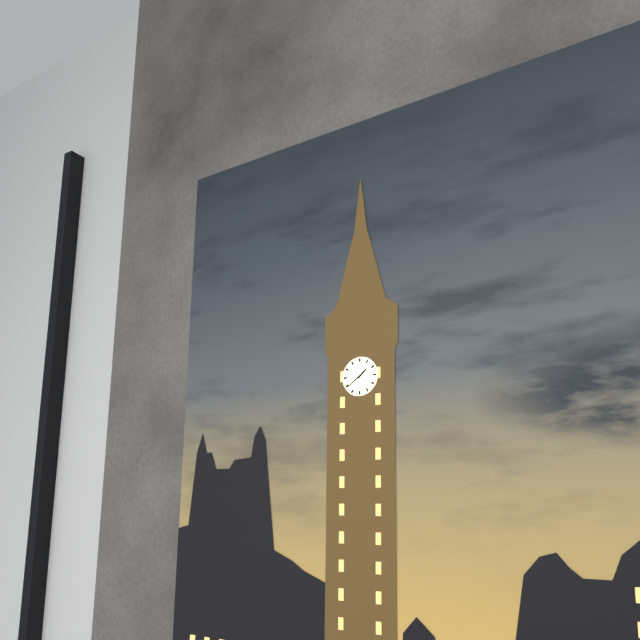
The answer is {"hour": 1, "minute": 39}
